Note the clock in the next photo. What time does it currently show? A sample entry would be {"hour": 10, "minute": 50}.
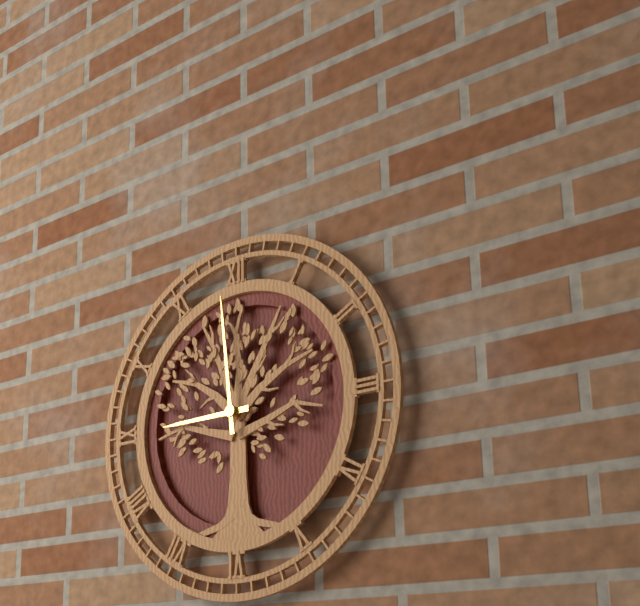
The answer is {"hour": 8, "minute": 59}
